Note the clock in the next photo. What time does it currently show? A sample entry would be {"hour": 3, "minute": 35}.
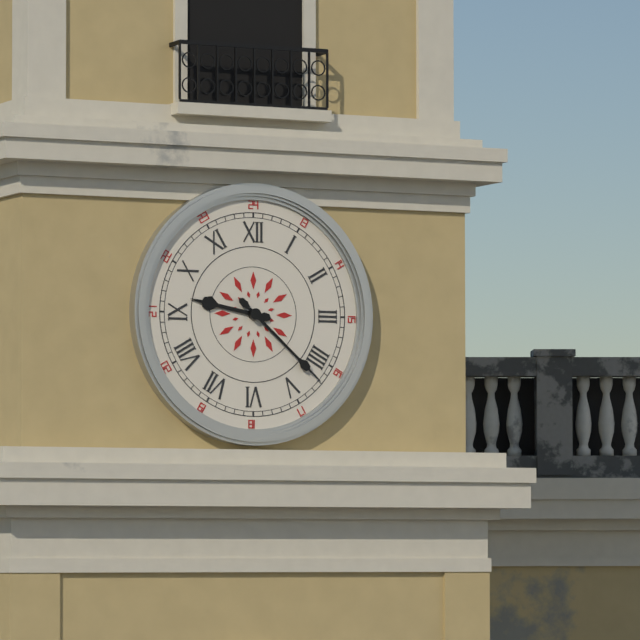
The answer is {"hour": 9, "minute": 22}
